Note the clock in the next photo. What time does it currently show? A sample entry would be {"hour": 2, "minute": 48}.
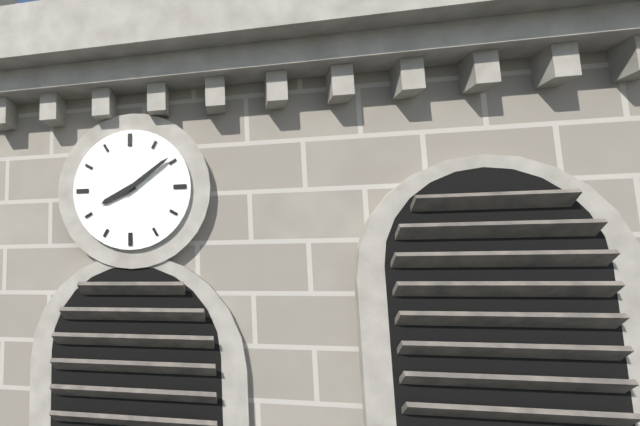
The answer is {"hour": 8, "minute": 9}
